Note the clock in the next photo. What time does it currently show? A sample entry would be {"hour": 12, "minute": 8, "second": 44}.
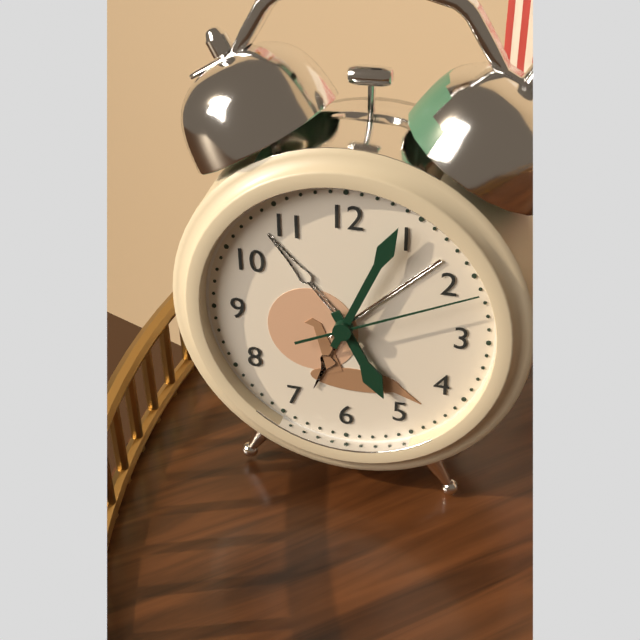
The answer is {"hour": 5, "minute": 4, "second": 11}
